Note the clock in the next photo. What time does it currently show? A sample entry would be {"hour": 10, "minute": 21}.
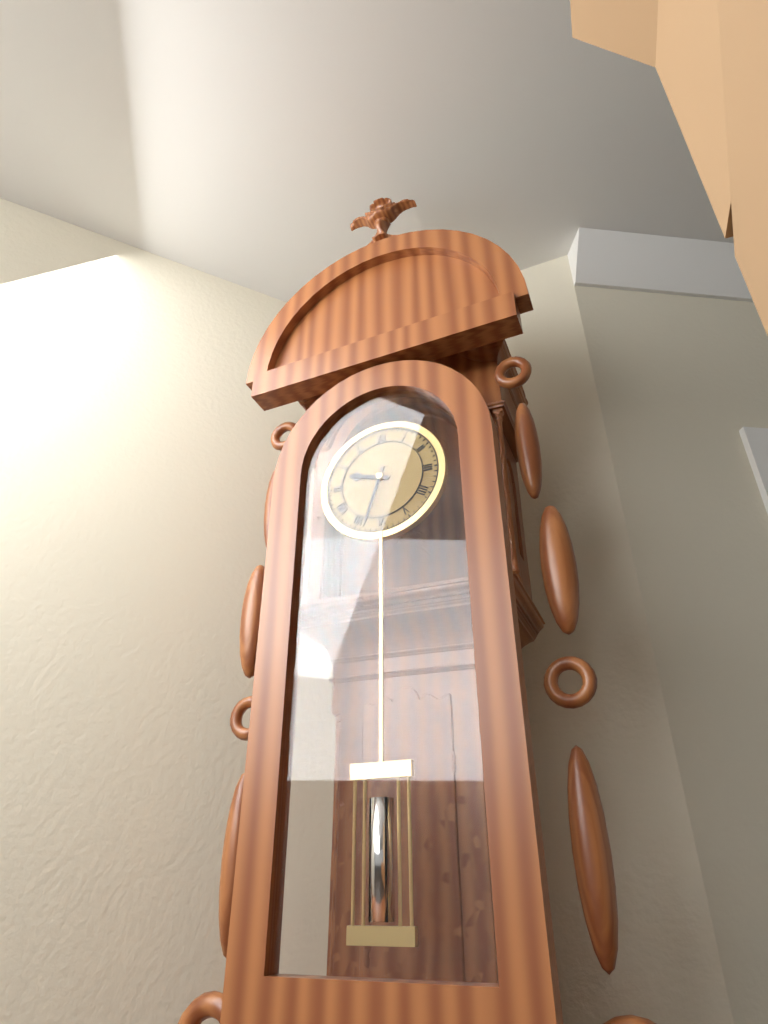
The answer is {"hour": 9, "minute": 33}
